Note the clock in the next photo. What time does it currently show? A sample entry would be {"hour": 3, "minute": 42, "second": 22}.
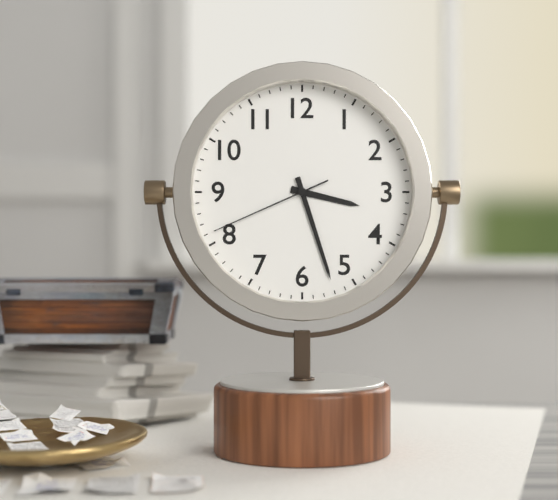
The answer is {"hour": 3, "minute": 27, "second": 41}
